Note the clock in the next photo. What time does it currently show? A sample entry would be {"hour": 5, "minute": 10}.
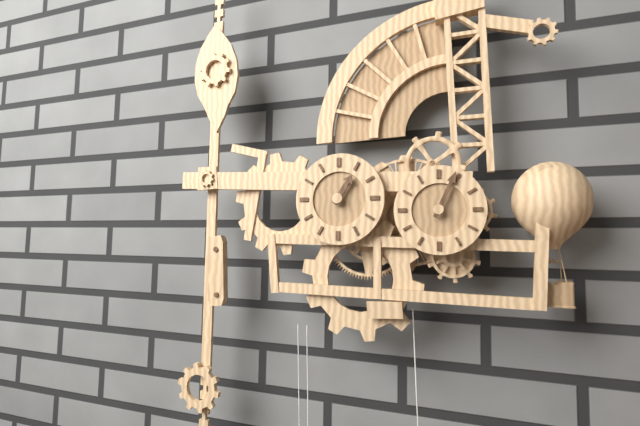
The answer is {"hour": 1, "minute": 4}
